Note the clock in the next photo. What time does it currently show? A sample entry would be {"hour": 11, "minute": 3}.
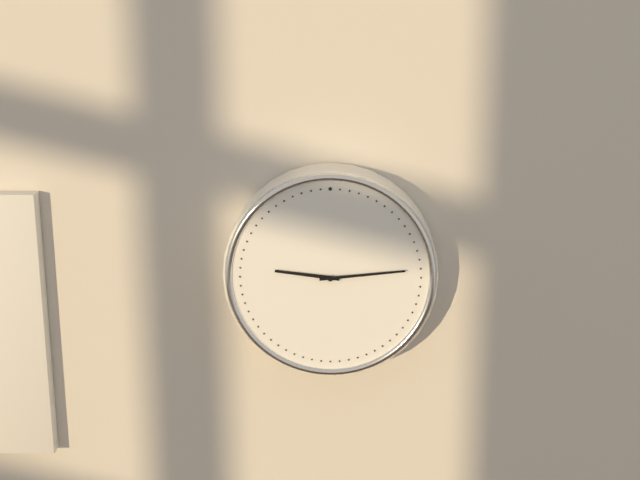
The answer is {"hour": 9, "minute": 14}
